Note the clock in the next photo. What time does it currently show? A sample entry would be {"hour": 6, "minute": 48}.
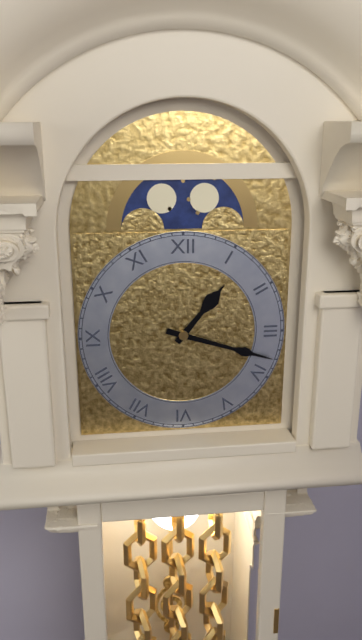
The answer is {"hour": 1, "minute": 18}
